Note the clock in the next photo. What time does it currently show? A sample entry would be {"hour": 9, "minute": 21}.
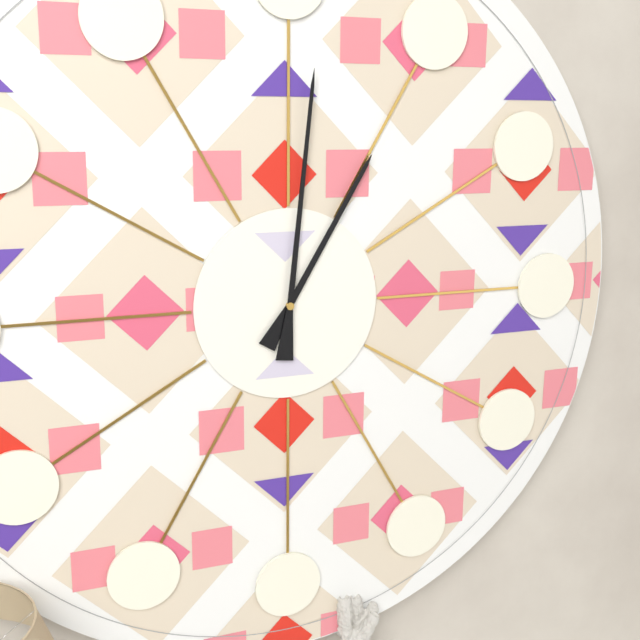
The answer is {"hour": 1, "minute": 1}
